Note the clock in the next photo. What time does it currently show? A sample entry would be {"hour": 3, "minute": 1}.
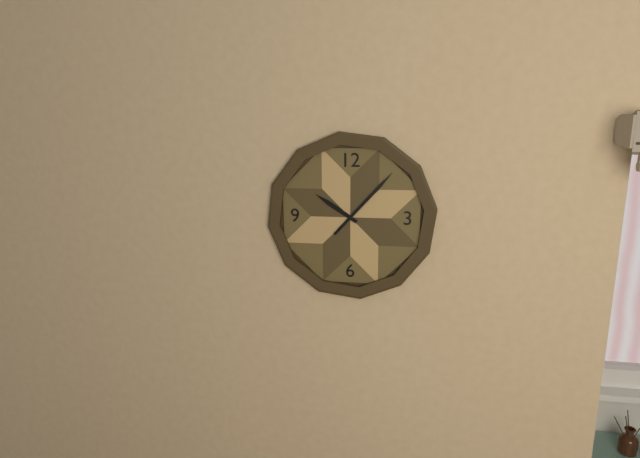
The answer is {"hour": 10, "minute": 7}
